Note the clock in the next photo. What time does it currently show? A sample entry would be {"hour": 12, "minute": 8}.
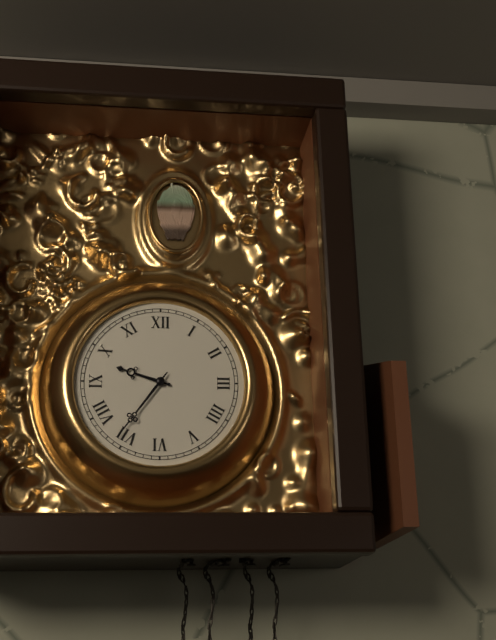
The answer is {"hour": 9, "minute": 36}
